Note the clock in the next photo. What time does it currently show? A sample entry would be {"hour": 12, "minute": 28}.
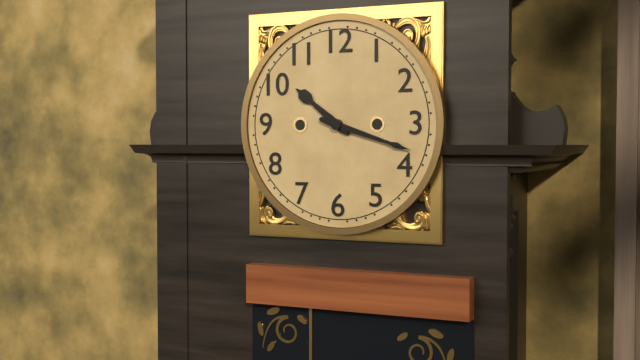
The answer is {"hour": 10, "minute": 18}
